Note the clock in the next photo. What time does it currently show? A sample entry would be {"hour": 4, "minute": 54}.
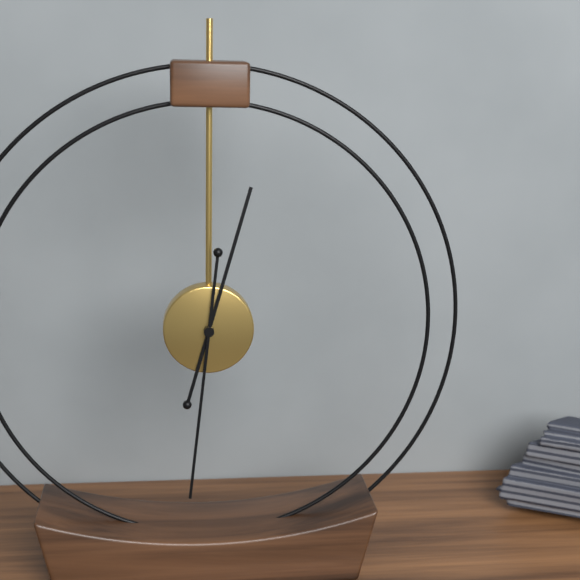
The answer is {"hour": 12, "minute": 31}
